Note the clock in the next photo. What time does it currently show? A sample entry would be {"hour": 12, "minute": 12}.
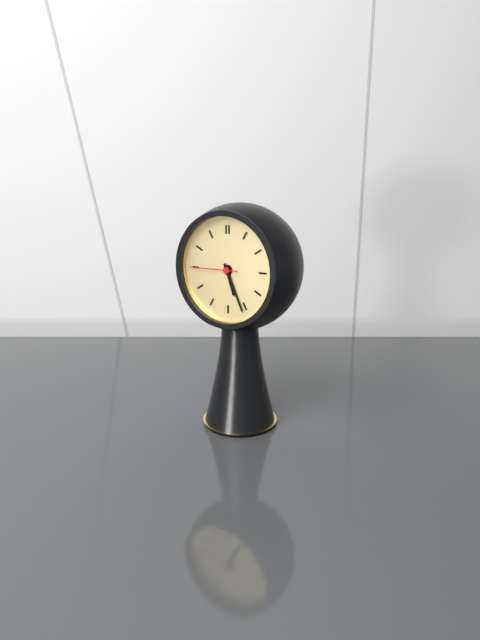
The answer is {"hour": 5, "minute": 26}
